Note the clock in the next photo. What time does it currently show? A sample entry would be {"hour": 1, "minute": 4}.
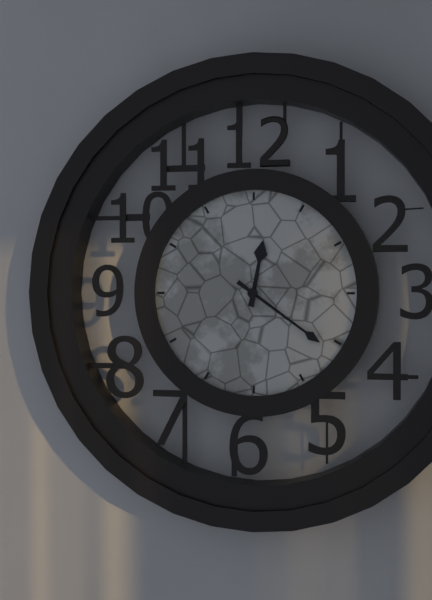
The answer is {"hour": 12, "minute": 21}
